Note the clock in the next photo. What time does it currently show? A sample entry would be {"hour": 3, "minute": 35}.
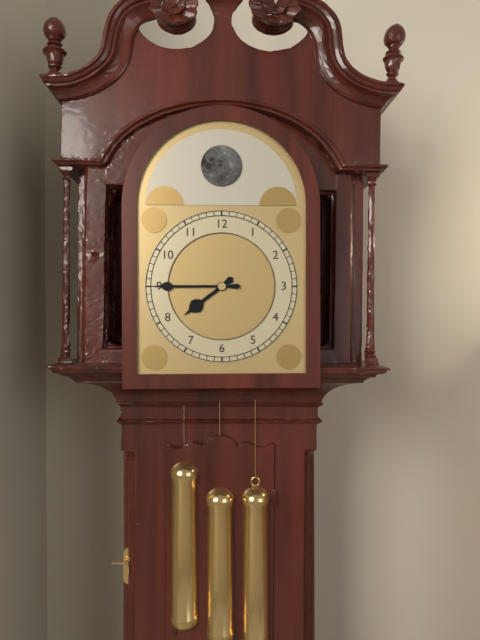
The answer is {"hour": 7, "minute": 45}
